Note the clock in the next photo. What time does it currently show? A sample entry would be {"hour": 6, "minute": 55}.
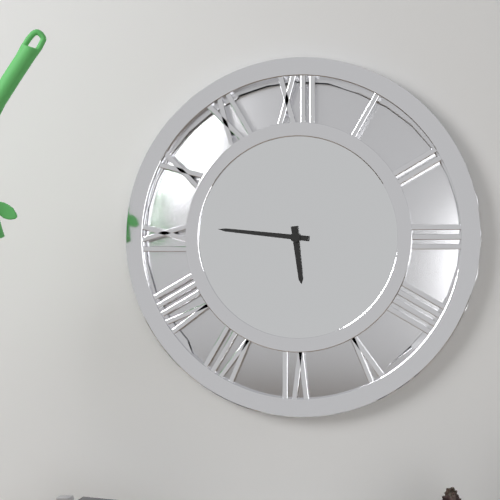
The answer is {"hour": 5, "minute": 46}
